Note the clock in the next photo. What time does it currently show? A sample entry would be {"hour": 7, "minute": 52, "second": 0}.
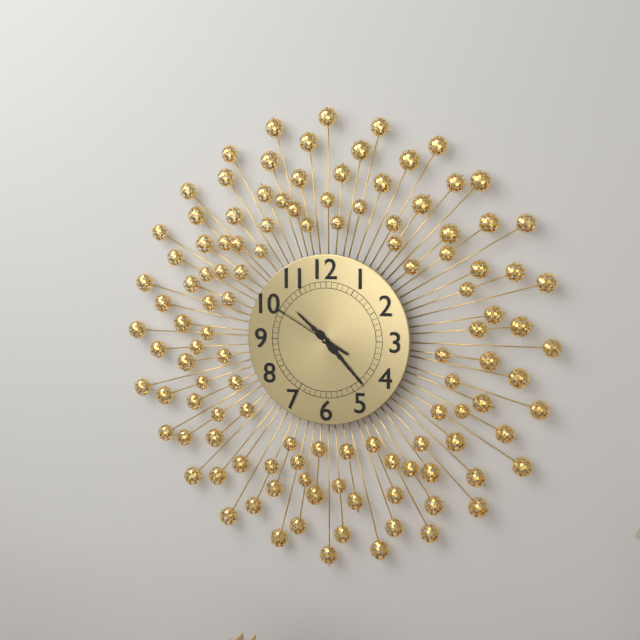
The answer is {"hour": 10, "minute": 23, "second": 50}
